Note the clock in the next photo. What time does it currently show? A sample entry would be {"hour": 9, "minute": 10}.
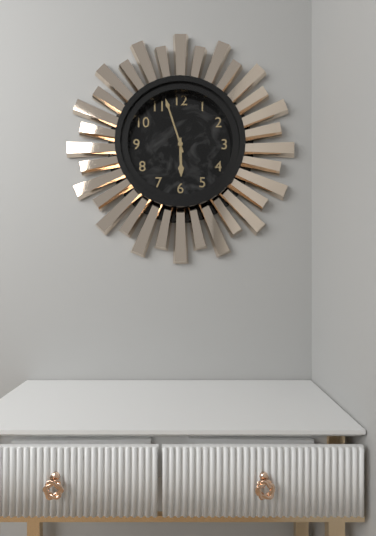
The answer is {"hour": 5, "minute": 57}
